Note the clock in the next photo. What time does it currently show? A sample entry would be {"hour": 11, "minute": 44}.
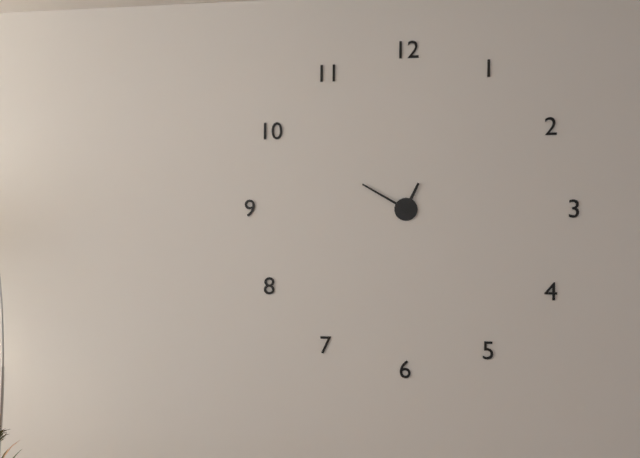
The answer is {"hour": 12, "minute": 50}
